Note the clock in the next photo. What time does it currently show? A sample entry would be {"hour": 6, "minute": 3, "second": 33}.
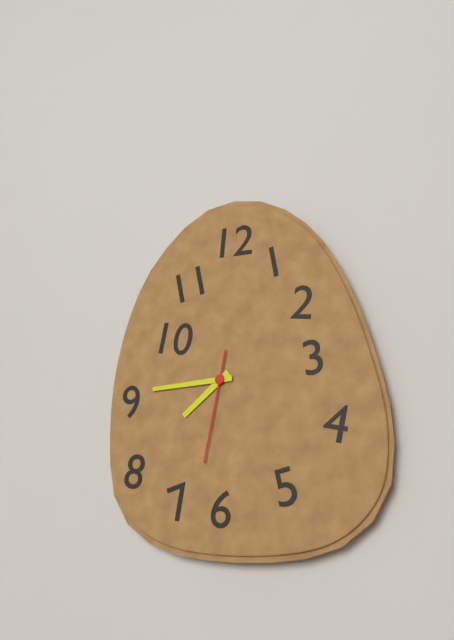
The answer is {"hour": 7, "minute": 45, "second": 32}
